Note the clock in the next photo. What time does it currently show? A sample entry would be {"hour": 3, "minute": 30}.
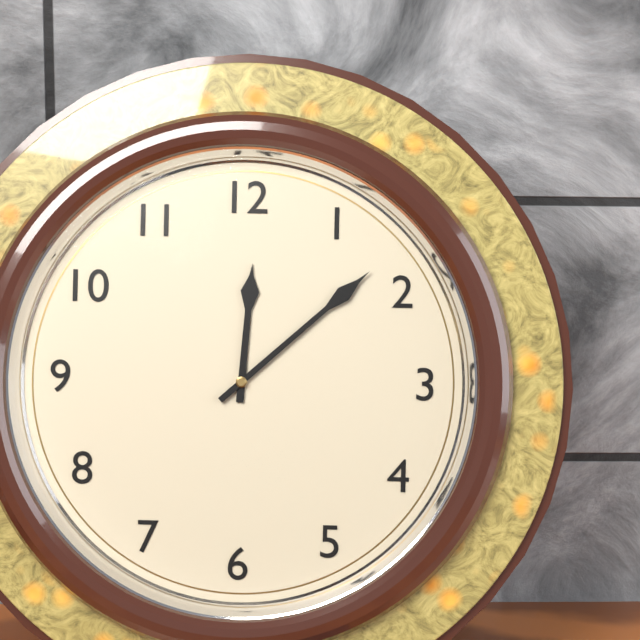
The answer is {"hour": 12, "minute": 8}
